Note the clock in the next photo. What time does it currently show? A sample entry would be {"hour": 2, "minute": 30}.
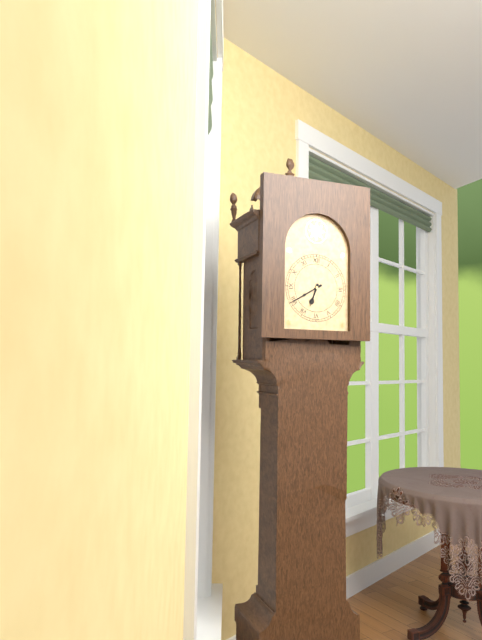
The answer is {"hour": 6, "minute": 40}
